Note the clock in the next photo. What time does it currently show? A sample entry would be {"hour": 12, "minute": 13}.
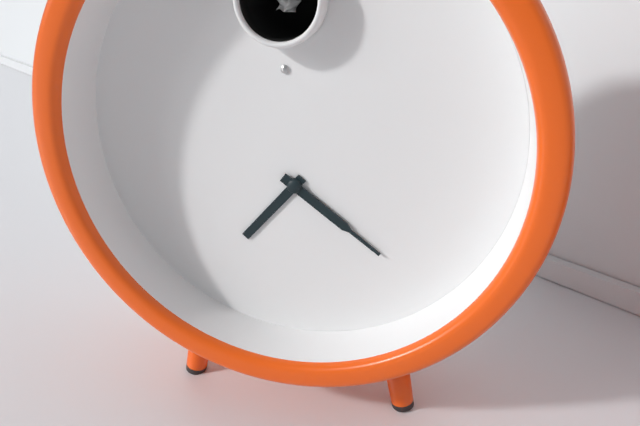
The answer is {"hour": 7, "minute": 21}
